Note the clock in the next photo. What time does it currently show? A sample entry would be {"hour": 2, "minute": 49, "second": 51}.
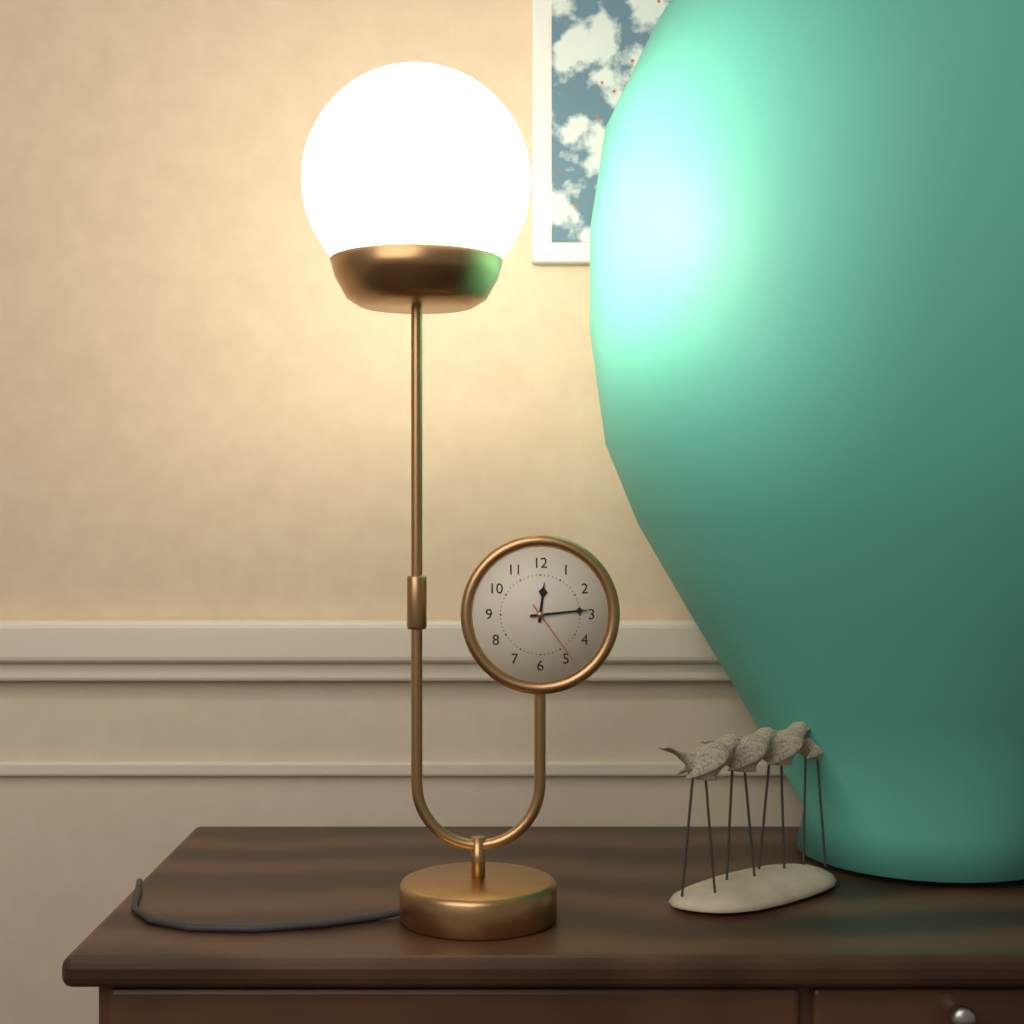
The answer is {"hour": 12, "minute": 14, "second": 24}
